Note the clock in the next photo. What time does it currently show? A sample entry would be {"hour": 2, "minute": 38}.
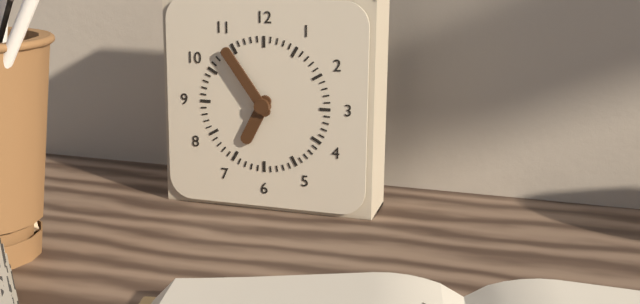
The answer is {"hour": 6, "minute": 54}
